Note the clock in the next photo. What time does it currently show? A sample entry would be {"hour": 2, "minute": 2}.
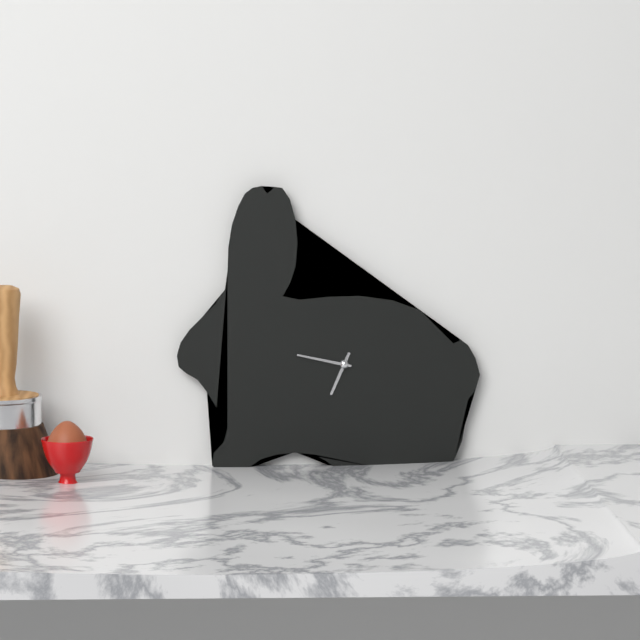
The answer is {"hour": 6, "minute": 47}
